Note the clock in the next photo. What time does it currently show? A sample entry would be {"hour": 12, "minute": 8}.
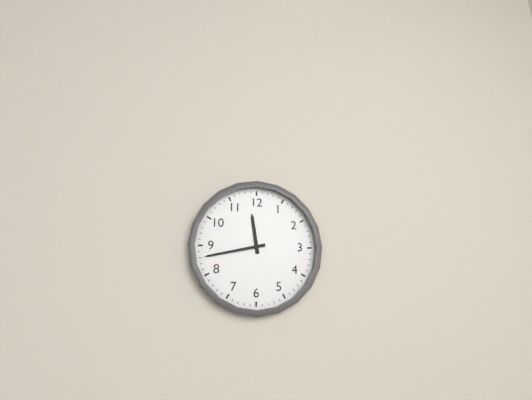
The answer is {"hour": 11, "minute": 43}
